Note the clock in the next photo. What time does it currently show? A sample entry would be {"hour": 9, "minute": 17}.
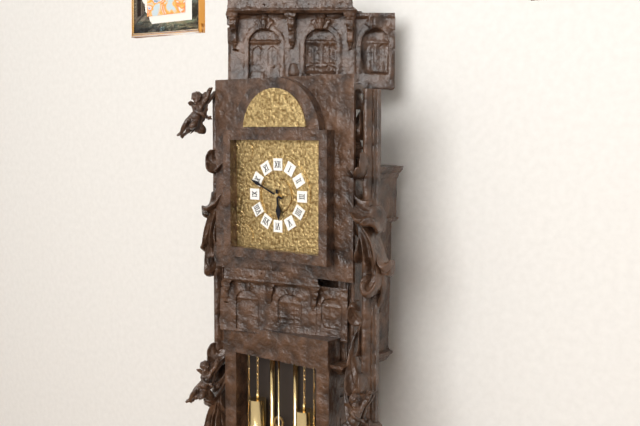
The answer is {"hour": 5, "minute": 49}
